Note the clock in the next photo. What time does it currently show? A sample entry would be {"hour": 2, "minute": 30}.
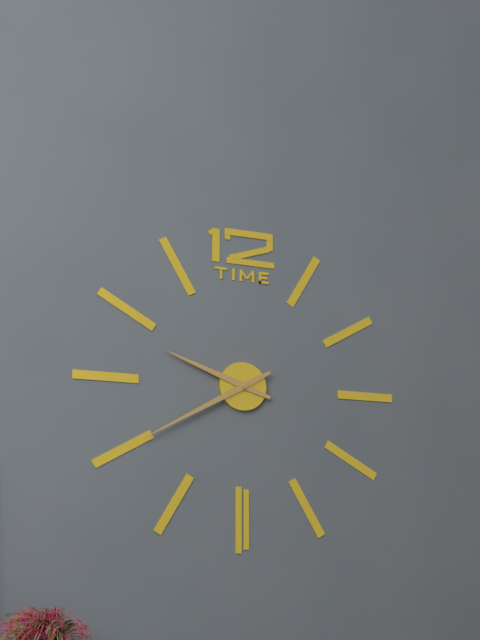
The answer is {"hour": 9, "minute": 40}
